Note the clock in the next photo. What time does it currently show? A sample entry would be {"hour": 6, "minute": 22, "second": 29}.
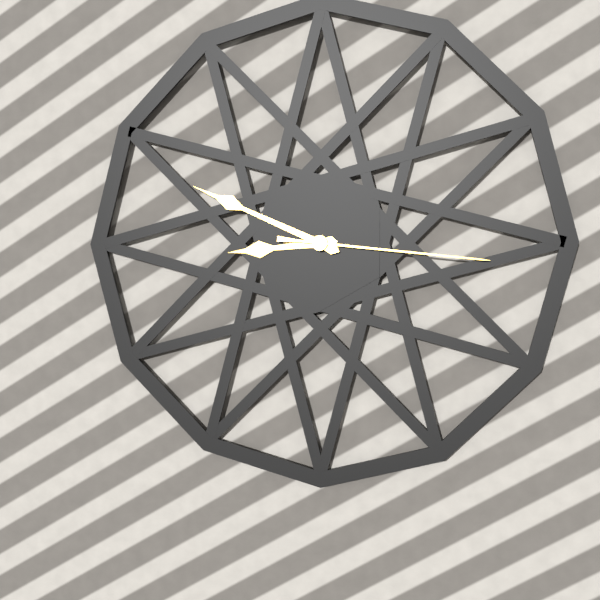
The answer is {"hour": 8, "minute": 49, "second": 16}
